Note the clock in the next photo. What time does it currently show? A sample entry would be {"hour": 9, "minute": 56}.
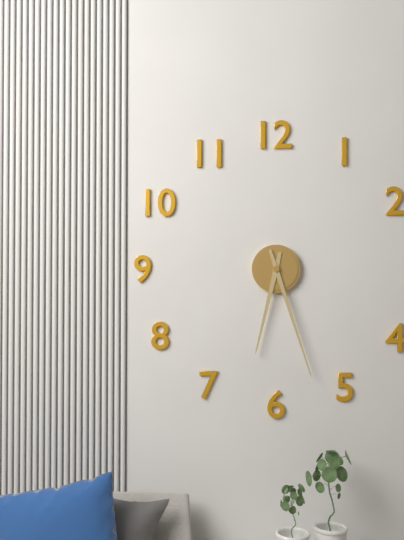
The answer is {"hour": 6, "minute": 27}
